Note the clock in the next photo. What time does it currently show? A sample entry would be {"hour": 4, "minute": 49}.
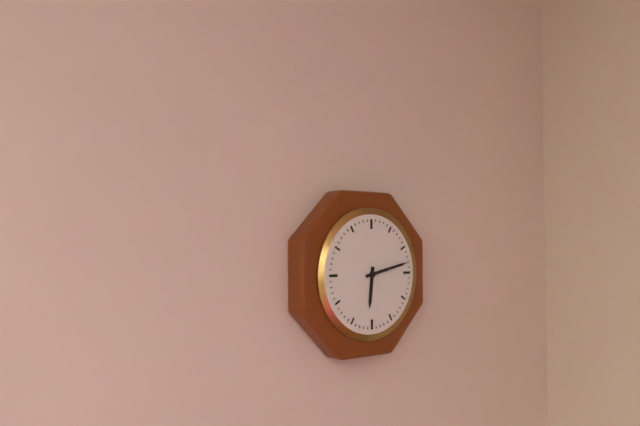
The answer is {"hour": 6, "minute": 13}
